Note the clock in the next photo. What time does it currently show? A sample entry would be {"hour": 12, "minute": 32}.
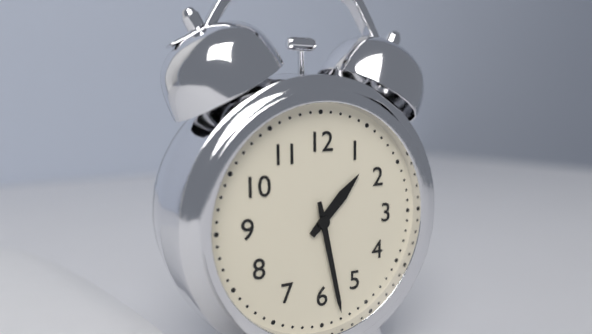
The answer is {"hour": 1, "minute": 28}
